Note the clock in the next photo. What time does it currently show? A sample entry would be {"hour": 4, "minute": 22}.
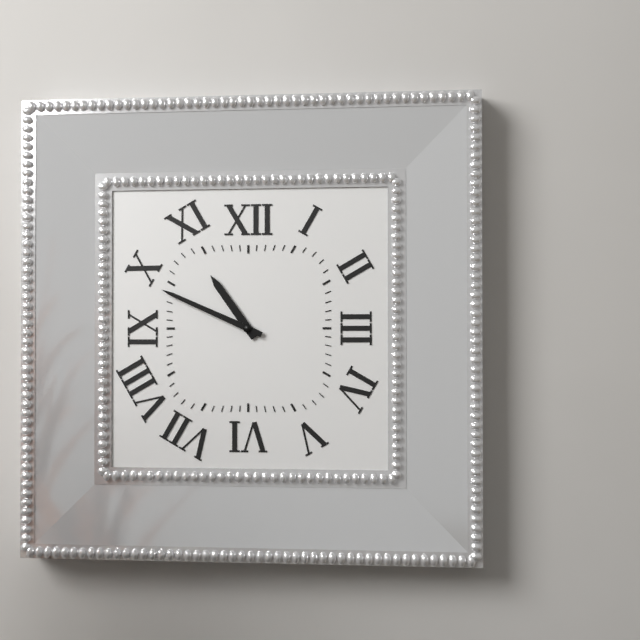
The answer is {"hour": 10, "minute": 49}
